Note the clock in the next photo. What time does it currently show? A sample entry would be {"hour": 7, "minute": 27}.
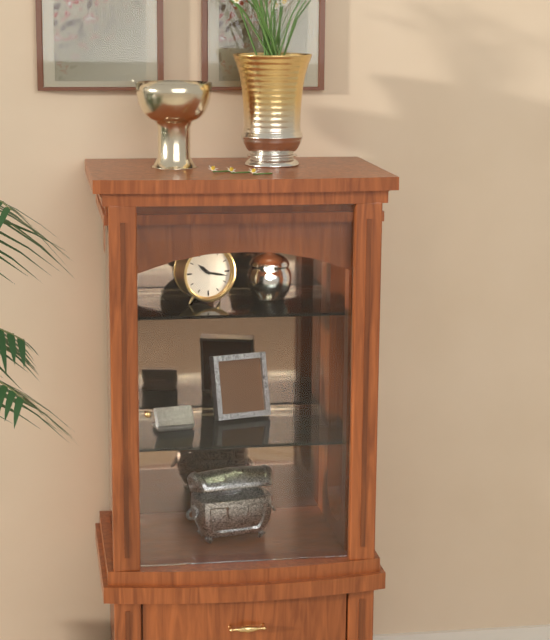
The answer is {"hour": 10, "minute": 17}
